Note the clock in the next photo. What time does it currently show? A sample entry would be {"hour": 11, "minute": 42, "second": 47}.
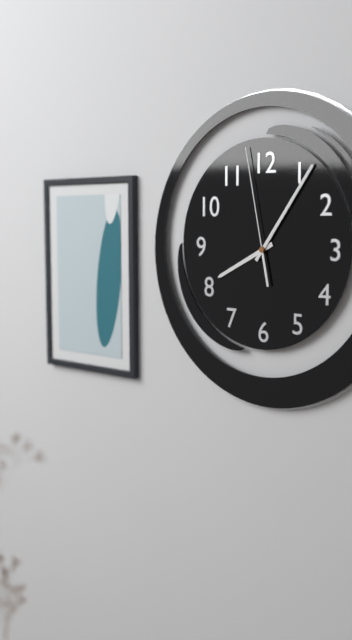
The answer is {"hour": 8, "minute": 6, "second": 58}
